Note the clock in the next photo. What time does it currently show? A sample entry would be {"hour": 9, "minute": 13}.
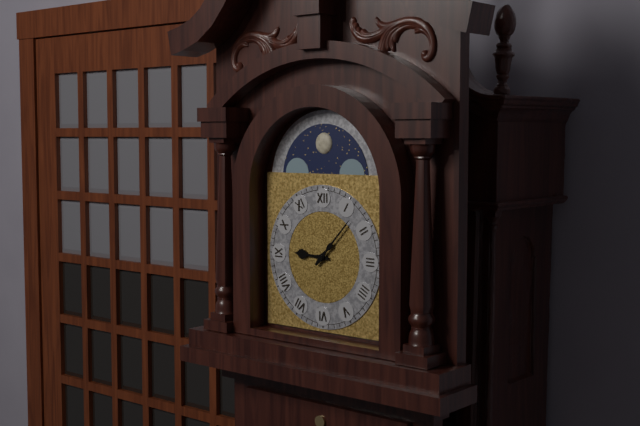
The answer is {"hour": 9, "minute": 7}
